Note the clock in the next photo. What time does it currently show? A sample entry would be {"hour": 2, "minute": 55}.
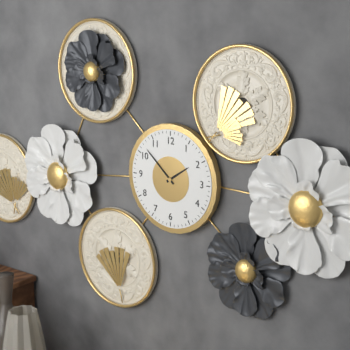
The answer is {"hour": 1, "minute": 52}
